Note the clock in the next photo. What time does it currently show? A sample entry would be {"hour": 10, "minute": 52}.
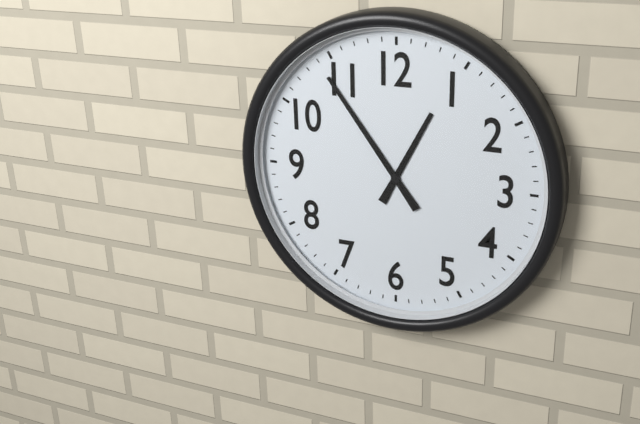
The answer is {"hour": 12, "minute": 54}
